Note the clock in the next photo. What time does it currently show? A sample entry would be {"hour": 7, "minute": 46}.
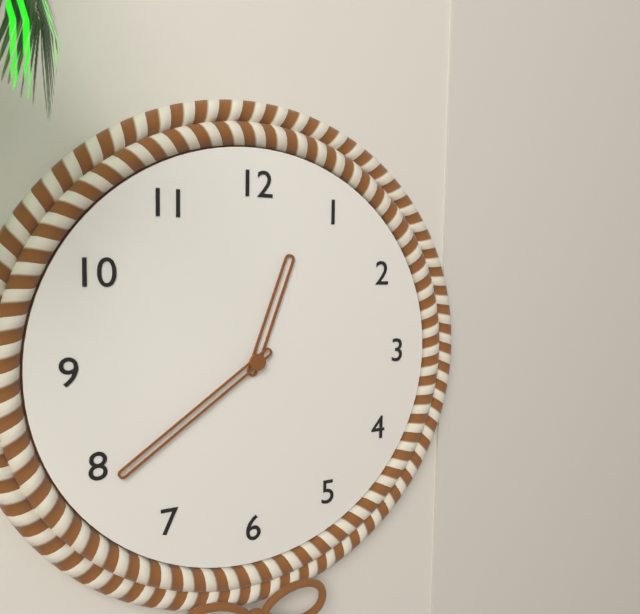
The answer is {"hour": 12, "minute": 39}
